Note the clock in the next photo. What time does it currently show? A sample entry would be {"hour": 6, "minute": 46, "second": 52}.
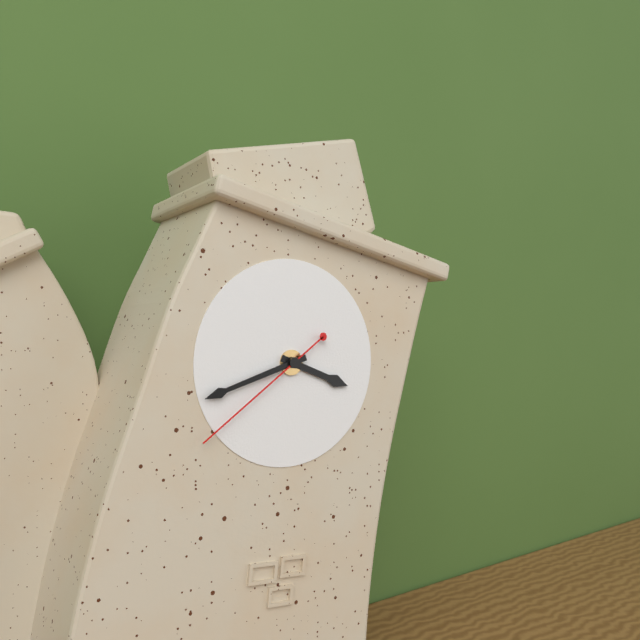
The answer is {"hour": 3, "minute": 42, "second": 39}
